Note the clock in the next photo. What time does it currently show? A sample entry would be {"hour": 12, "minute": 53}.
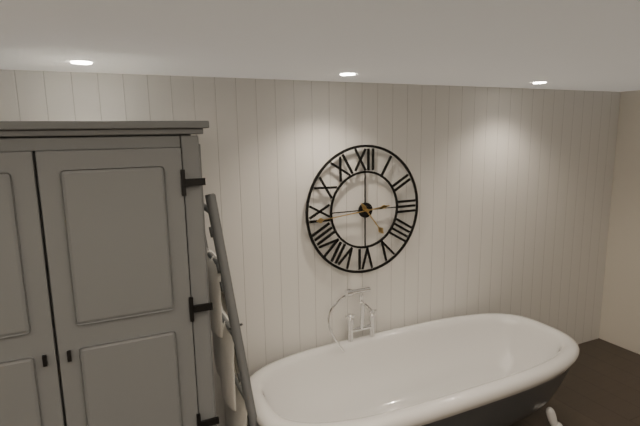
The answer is {"hour": 4, "minute": 44}
